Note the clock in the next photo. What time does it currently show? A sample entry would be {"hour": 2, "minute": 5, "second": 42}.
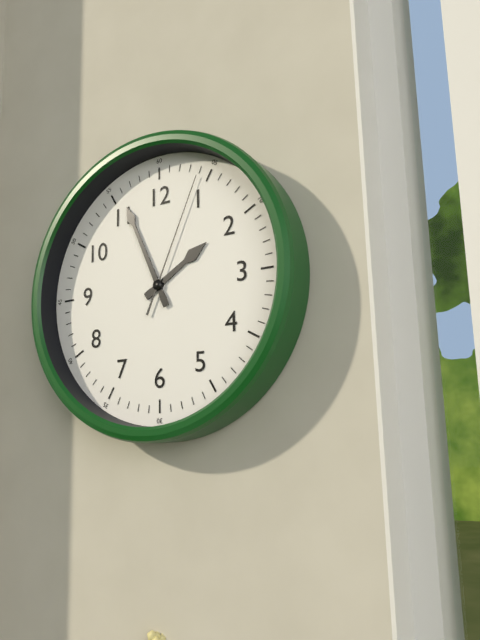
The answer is {"hour": 1, "minute": 56, "second": 4}
